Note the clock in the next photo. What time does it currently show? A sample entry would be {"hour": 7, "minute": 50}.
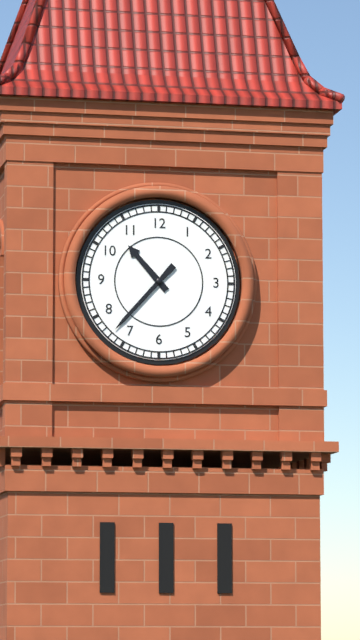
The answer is {"hour": 10, "minute": 37}
